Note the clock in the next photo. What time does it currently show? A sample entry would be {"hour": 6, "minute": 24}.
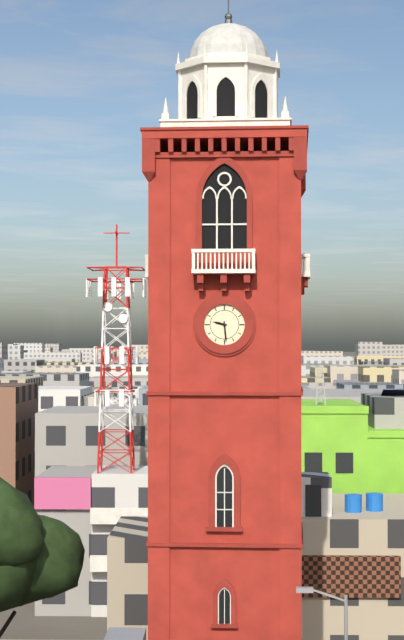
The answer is {"hour": 9, "minute": 29}
